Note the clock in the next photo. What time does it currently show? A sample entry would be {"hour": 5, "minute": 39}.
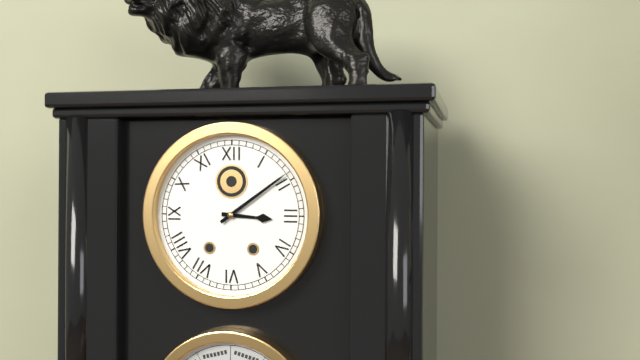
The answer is {"hour": 3, "minute": 9}
